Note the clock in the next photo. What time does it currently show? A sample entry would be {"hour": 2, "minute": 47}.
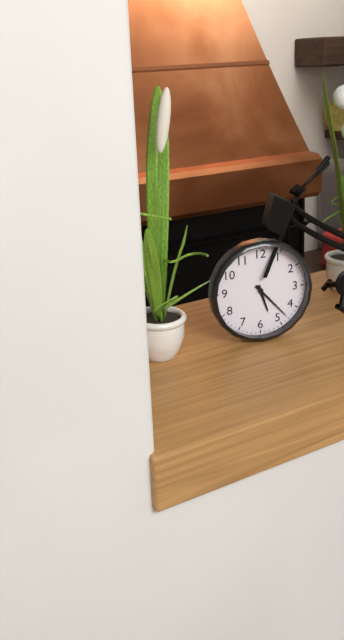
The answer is {"hour": 5, "minute": 23}
